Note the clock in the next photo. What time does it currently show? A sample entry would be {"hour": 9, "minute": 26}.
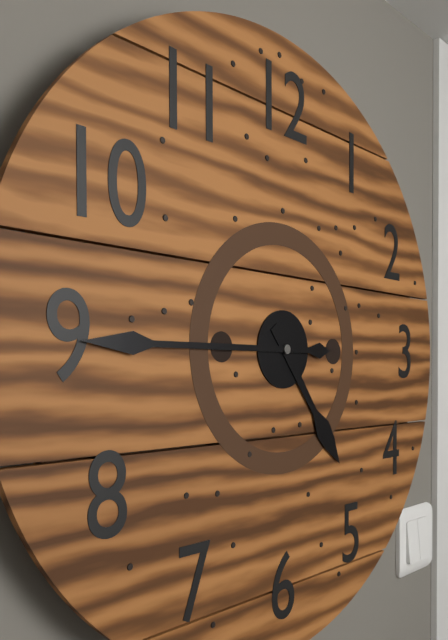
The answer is {"hour": 4, "minute": 45}
